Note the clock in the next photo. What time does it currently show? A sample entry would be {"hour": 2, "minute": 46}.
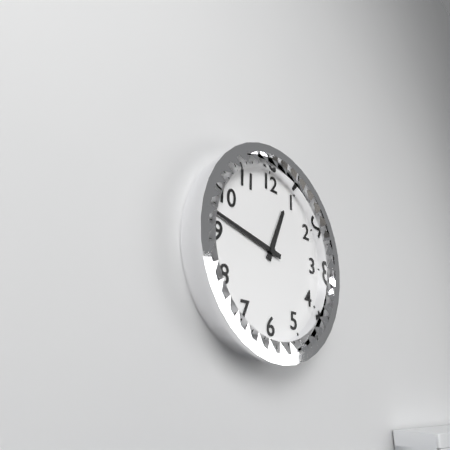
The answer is {"hour": 12, "minute": 47}
